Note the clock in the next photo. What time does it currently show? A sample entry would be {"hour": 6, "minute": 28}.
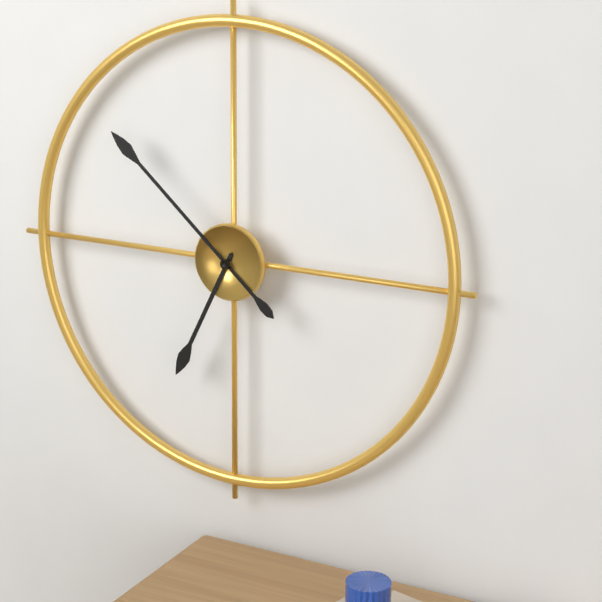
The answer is {"hour": 6, "minute": 52}
